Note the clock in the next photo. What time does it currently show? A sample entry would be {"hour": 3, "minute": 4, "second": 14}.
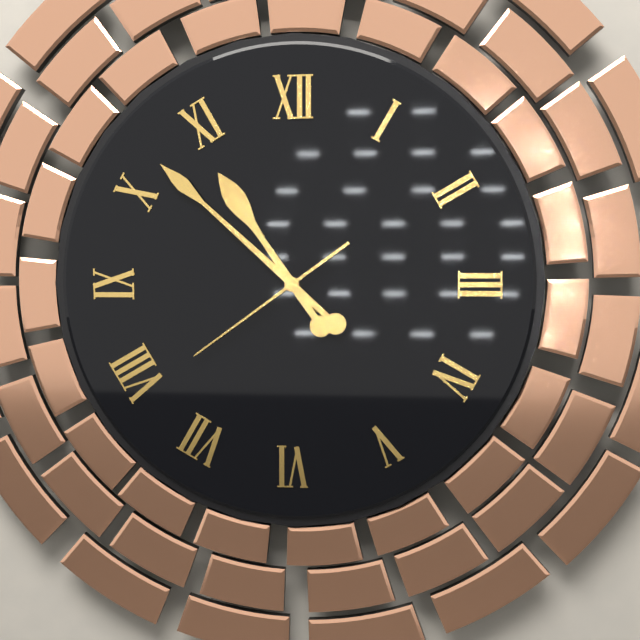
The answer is {"hour": 10, "minute": 52, "second": 39}
